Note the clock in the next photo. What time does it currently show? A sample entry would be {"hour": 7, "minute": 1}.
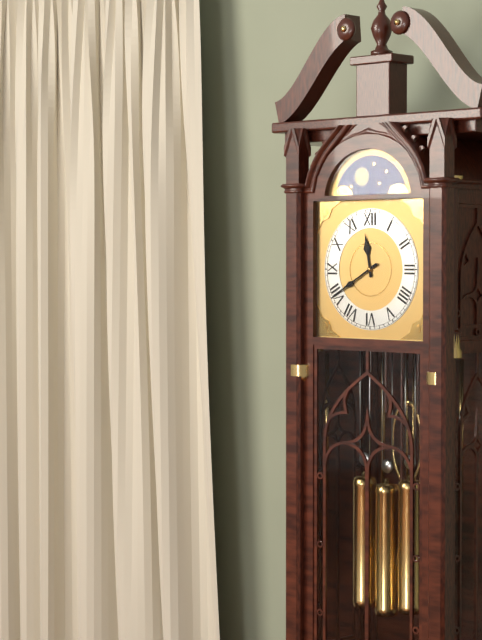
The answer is {"hour": 11, "minute": 40}
